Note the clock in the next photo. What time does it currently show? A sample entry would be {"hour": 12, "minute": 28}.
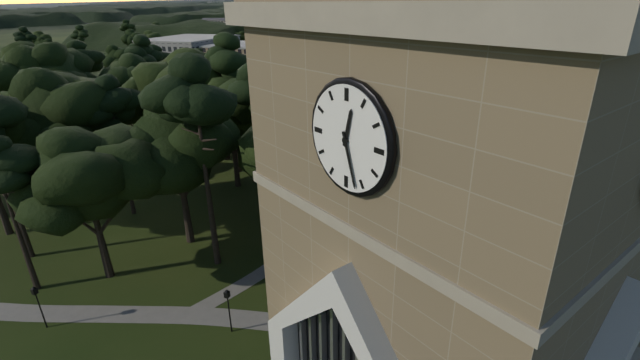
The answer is {"hour": 12, "minute": 27}
